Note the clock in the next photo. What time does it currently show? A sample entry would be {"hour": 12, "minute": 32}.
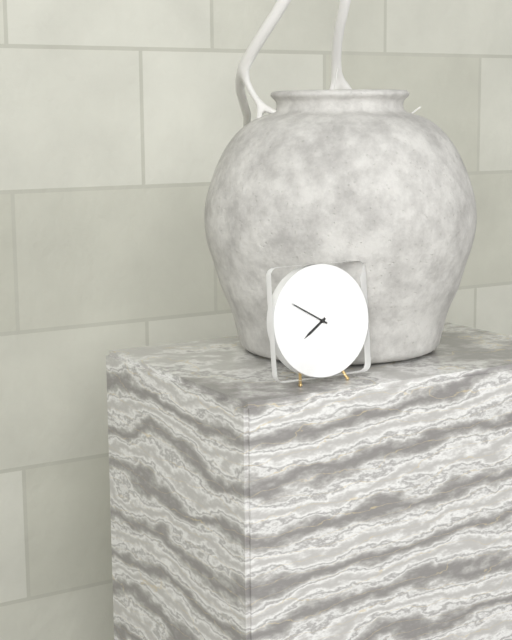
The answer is {"hour": 7, "minute": 50}
